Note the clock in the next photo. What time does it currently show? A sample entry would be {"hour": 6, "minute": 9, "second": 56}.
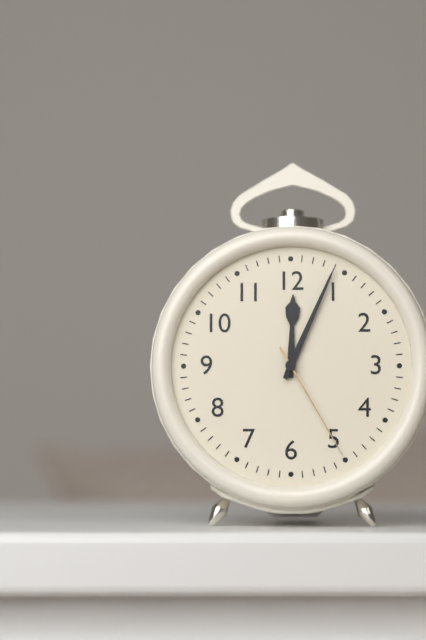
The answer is {"hour": 12, "minute": 4, "second": 25}
